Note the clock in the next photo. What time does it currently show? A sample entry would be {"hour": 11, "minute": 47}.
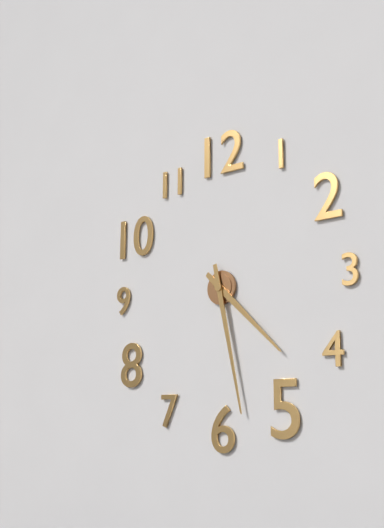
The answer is {"hour": 4, "minute": 28}
